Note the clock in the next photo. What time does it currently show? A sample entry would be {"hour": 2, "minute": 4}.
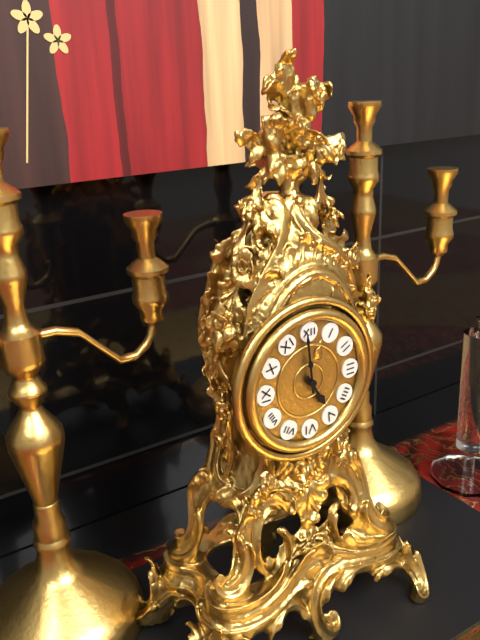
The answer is {"hour": 4, "minute": 59}
